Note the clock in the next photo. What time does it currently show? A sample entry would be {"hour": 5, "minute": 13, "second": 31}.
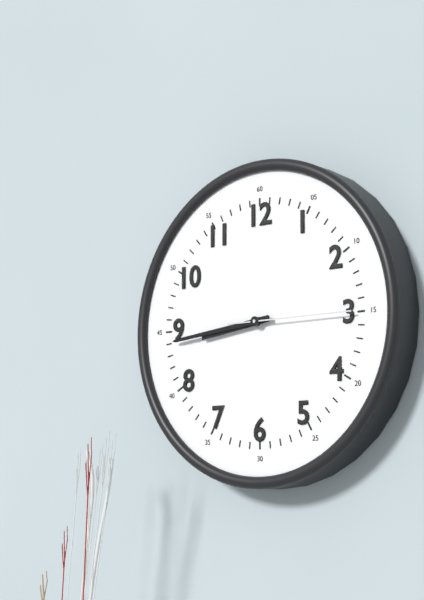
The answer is {"hour": 8, "minute": 44, "second": 15}
